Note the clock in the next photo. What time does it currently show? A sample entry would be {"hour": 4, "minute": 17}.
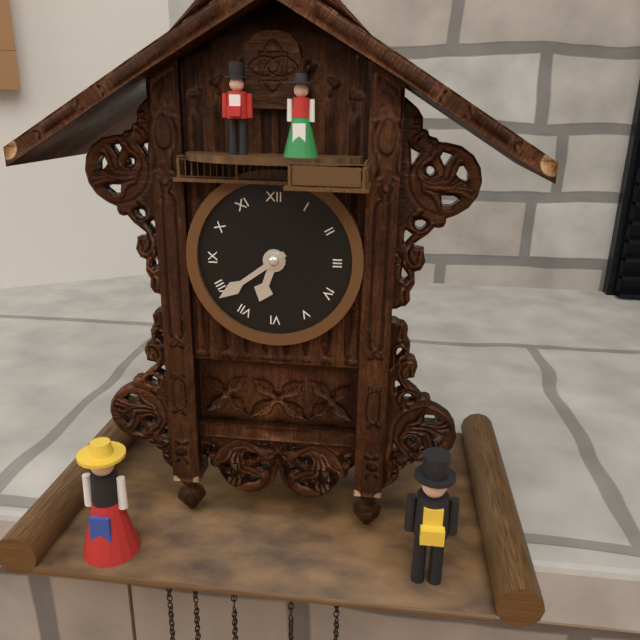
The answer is {"hour": 6, "minute": 39}
